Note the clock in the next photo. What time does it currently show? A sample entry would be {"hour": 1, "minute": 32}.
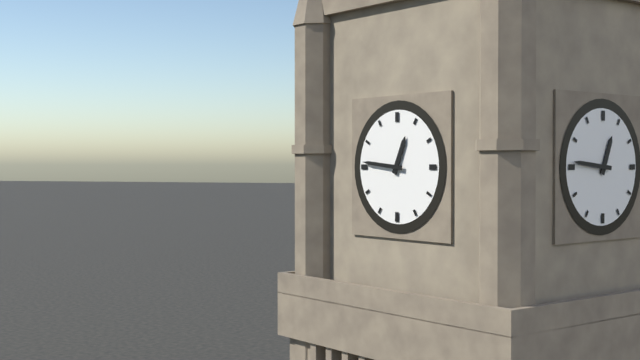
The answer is {"hour": 12, "minute": 46}
